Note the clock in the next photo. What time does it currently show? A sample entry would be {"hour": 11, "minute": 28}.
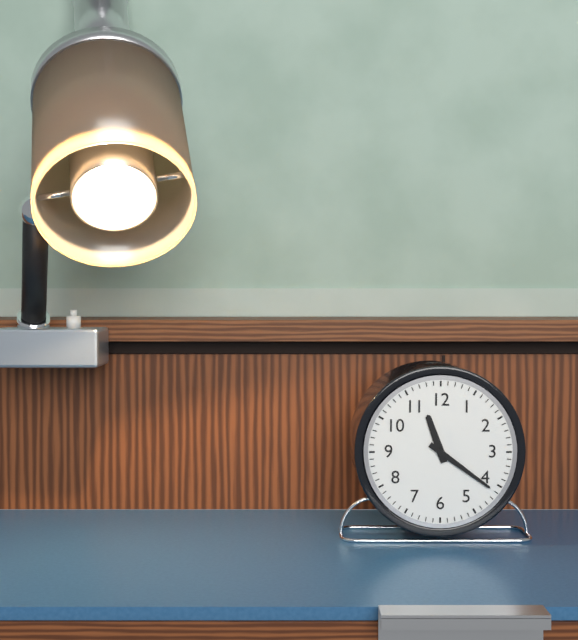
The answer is {"hour": 11, "minute": 21}
